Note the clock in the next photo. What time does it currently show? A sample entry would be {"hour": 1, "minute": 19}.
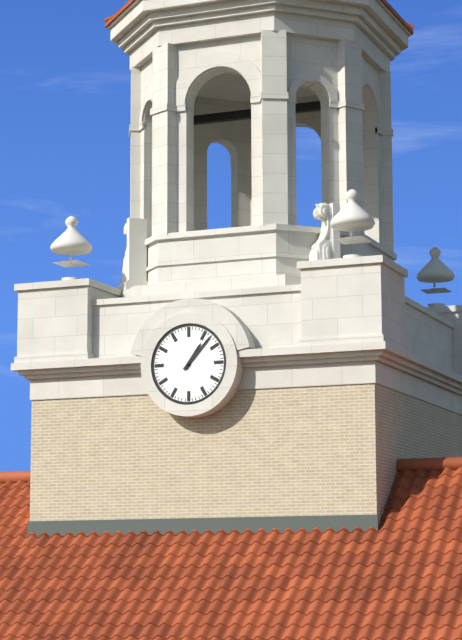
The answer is {"hour": 1, "minute": 7}
